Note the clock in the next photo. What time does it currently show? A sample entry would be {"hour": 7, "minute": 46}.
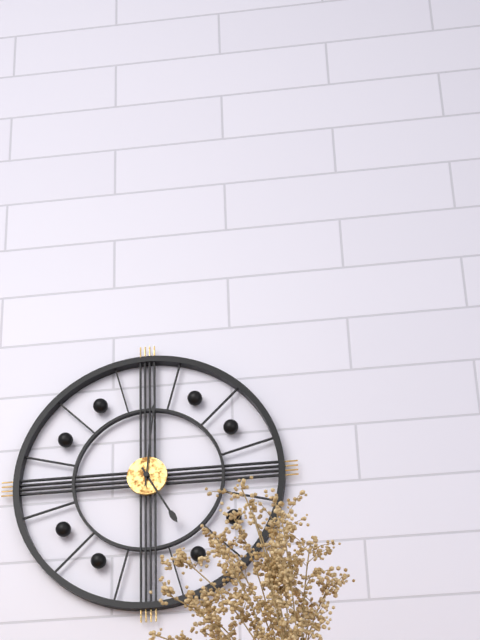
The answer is {"hour": 5, "minute": 1}
